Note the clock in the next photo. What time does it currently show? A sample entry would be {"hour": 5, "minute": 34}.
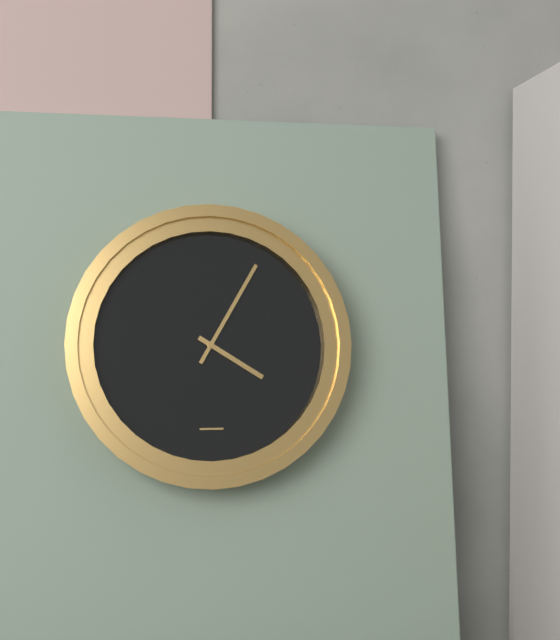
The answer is {"hour": 4, "minute": 5}
